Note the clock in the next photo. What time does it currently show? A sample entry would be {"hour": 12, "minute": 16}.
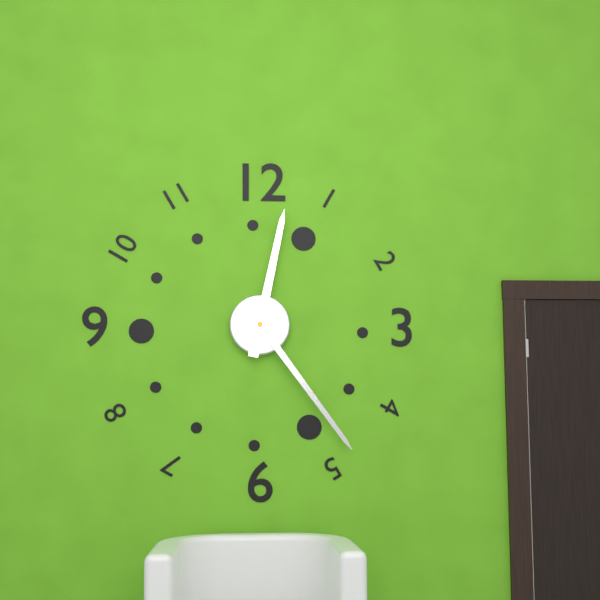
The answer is {"hour": 12, "minute": 24}
